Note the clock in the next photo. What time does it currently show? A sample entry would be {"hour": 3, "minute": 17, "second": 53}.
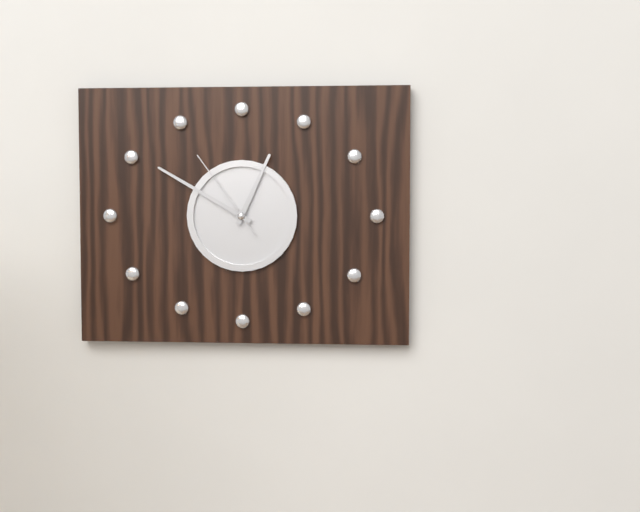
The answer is {"hour": 12, "minute": 50, "second": 54}
